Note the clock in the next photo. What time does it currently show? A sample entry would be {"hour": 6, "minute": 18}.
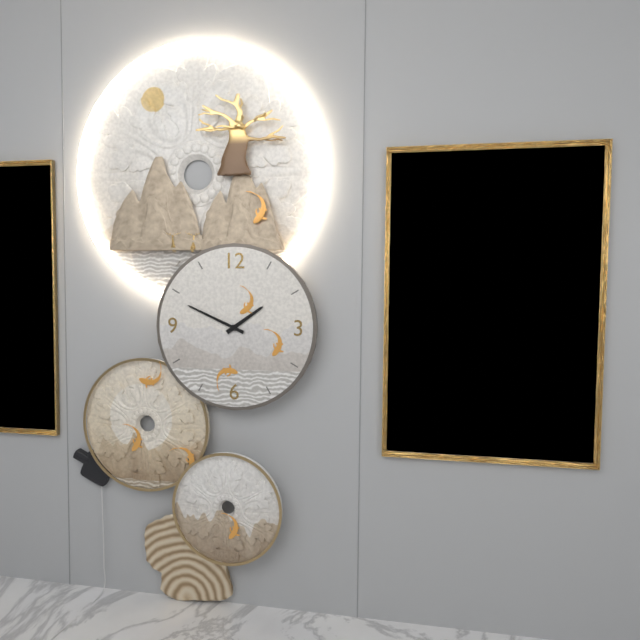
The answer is {"hour": 1, "minute": 49}
